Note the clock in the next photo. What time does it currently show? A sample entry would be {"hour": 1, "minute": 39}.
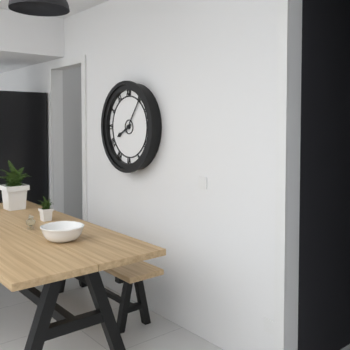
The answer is {"hour": 8, "minute": 6}
